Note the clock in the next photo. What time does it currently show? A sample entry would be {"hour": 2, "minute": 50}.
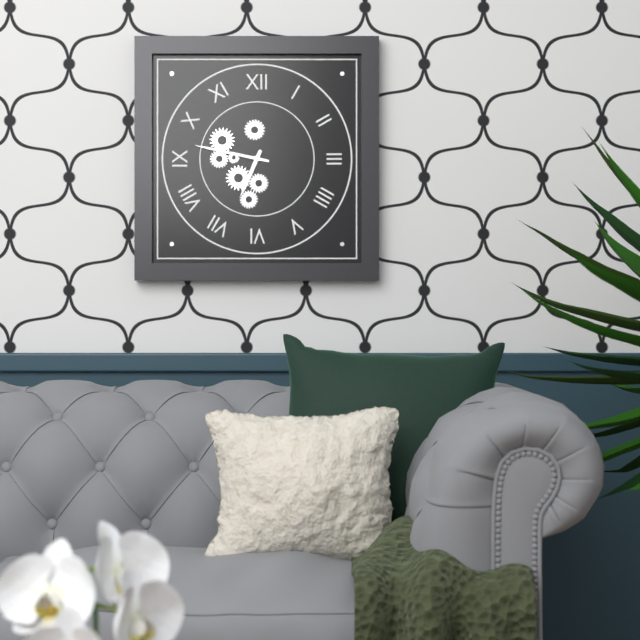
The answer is {"hour": 6, "minute": 47}
